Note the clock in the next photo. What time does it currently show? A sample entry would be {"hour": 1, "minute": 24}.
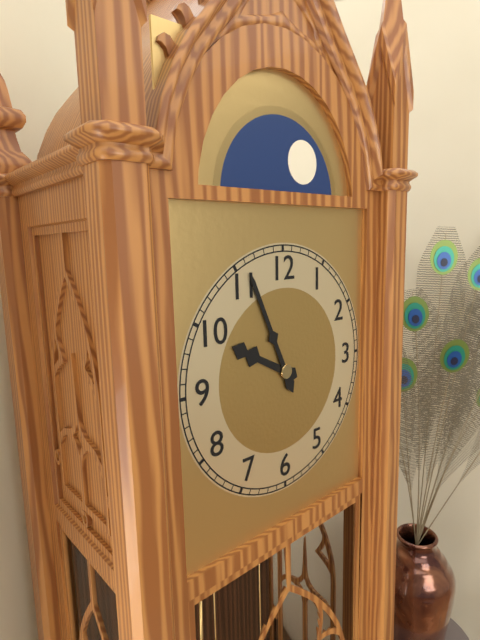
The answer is {"hour": 9, "minute": 56}
